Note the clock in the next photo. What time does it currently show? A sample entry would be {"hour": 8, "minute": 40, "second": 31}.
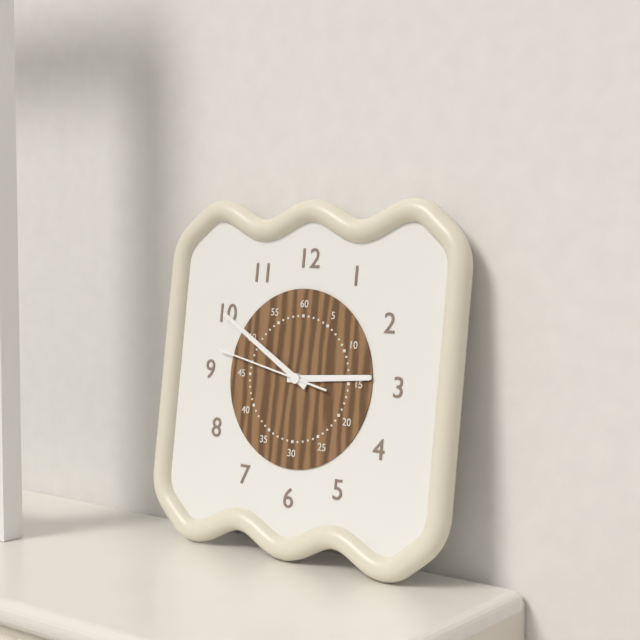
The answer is {"hour": 2, "minute": 50, "second": 47}
